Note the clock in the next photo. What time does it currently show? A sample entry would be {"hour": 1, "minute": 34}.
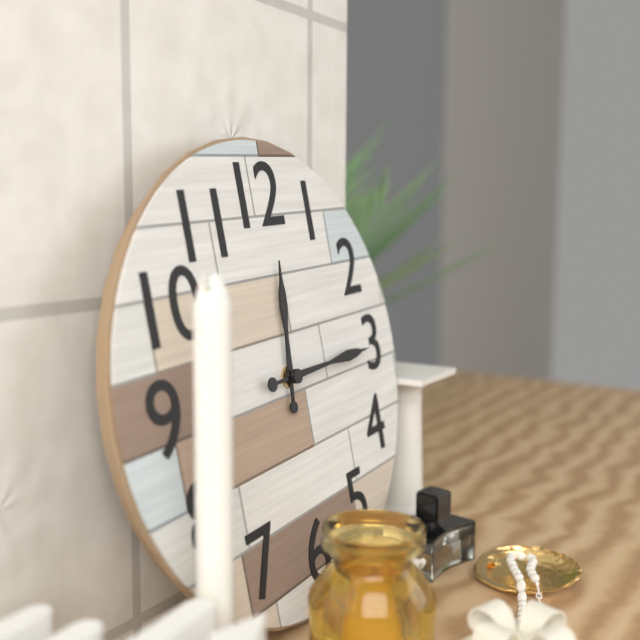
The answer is {"hour": 12, "minute": 15}
